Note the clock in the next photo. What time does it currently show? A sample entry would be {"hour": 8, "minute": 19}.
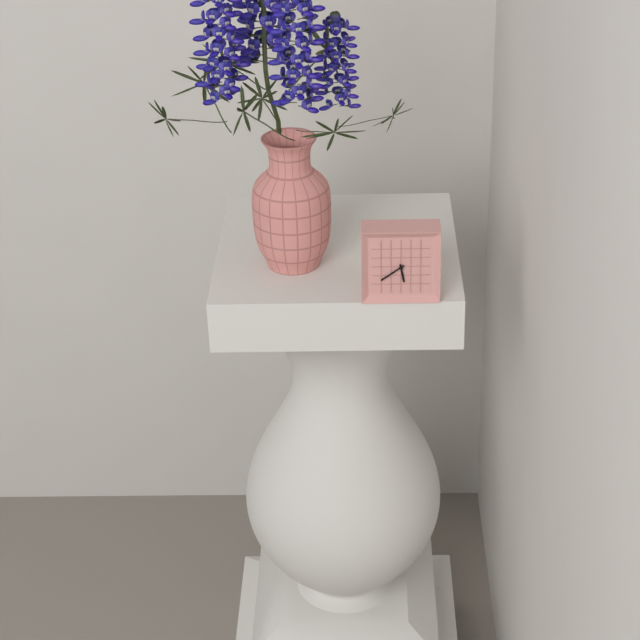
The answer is {"hour": 5, "minute": 39}
